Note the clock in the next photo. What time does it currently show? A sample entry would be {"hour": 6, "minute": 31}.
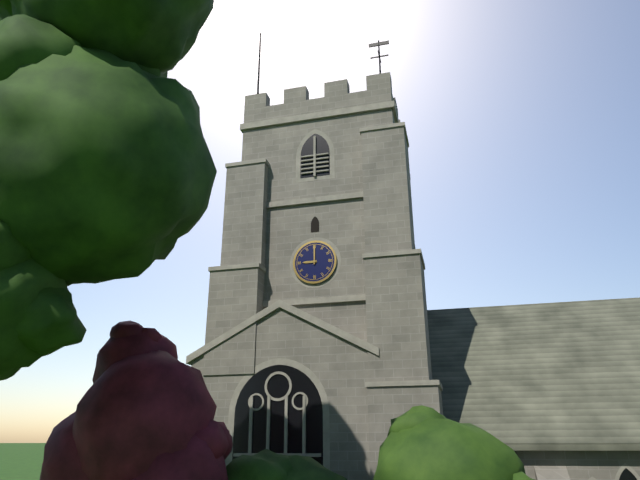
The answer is {"hour": 9, "minute": 0}
